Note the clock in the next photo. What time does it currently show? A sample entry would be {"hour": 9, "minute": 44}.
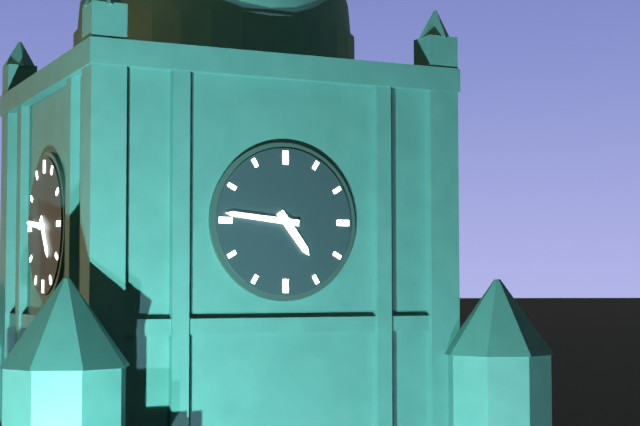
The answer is {"hour": 4, "minute": 46}
